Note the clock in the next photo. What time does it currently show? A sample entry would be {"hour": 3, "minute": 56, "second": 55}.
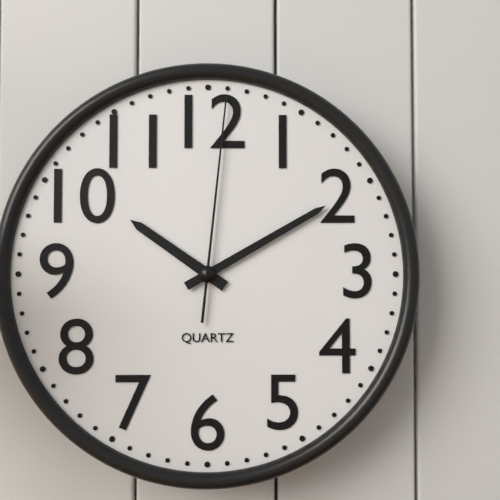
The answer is {"hour": 10, "minute": 10, "second": 1}
